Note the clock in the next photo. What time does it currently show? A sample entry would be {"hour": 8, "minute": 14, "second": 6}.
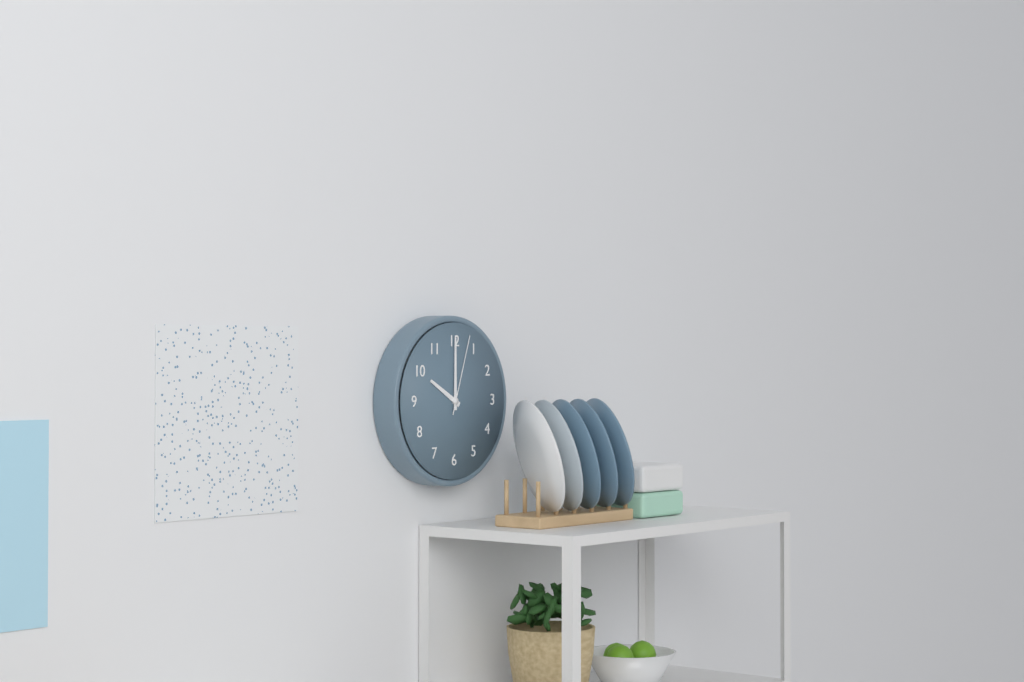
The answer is {"hour": 10, "minute": 0, "second": 3}
